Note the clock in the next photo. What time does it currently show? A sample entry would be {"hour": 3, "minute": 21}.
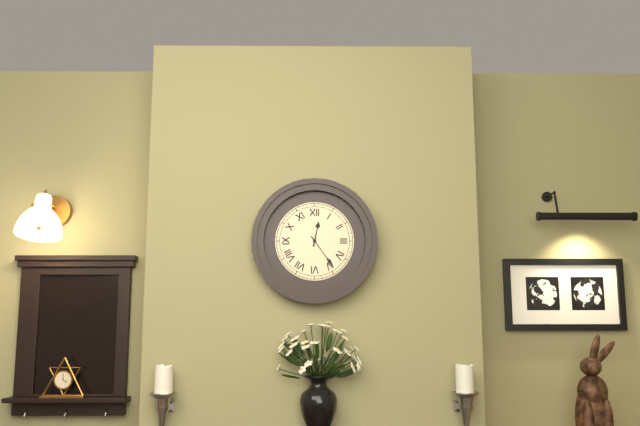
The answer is {"hour": 12, "minute": 24}
